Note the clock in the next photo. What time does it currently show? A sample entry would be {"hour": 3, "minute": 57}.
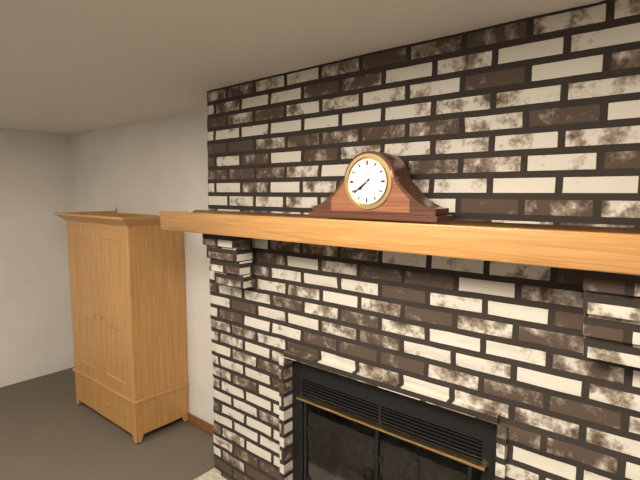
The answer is {"hour": 7, "minute": 39}
